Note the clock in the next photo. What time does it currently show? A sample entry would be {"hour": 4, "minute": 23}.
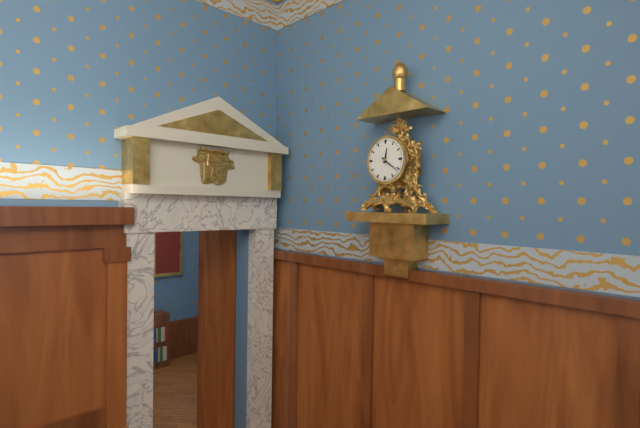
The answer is {"hour": 12, "minute": 21}
